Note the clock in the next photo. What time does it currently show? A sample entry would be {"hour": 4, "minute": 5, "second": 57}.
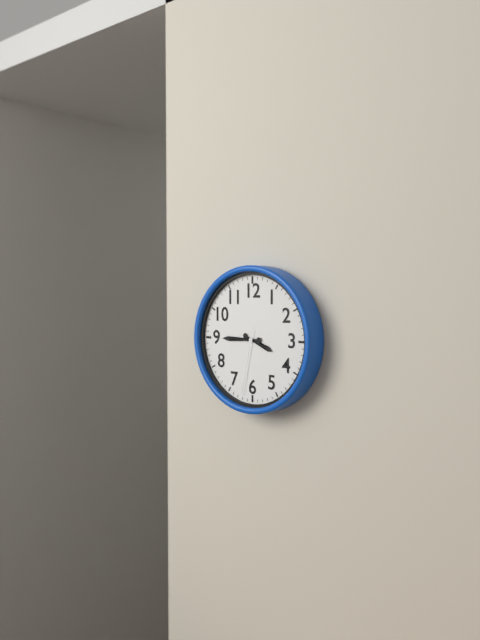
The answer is {"hour": 3, "minute": 45, "second": 32}
